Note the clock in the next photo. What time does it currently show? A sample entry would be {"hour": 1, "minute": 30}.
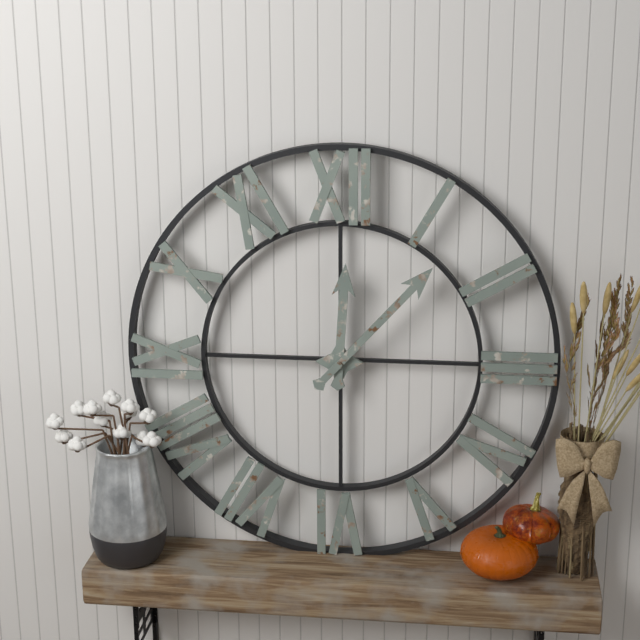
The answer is {"hour": 12, "minute": 7}
